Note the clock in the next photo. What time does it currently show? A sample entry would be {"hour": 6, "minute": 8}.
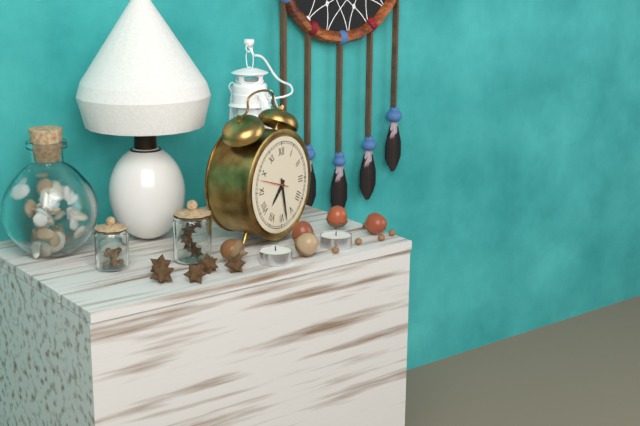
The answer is {"hour": 7, "minute": 28}
